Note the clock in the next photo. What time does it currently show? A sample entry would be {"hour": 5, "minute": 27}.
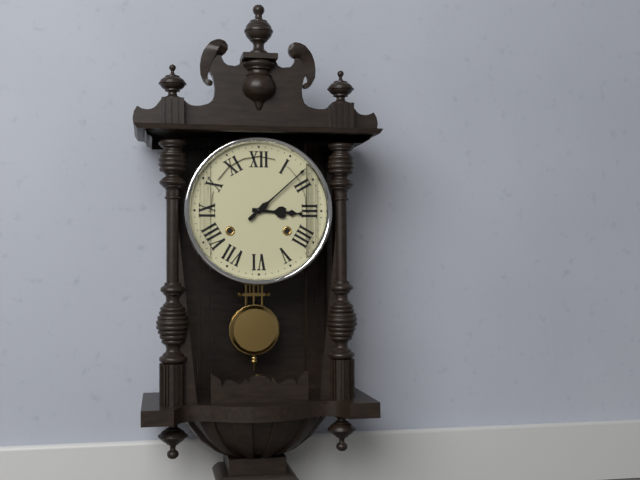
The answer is {"hour": 3, "minute": 8}
